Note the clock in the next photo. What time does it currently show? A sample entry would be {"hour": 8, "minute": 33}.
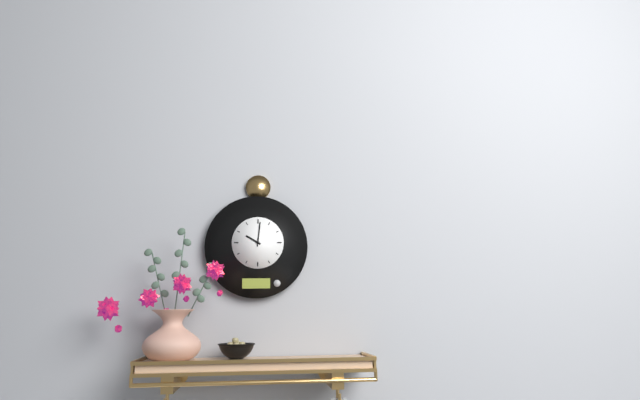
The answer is {"hour": 10, "minute": 1}
